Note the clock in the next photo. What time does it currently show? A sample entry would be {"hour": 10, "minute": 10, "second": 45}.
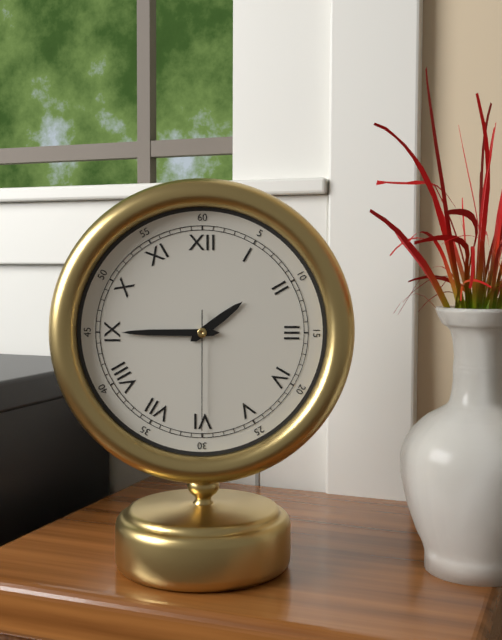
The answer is {"hour": 1, "minute": 45, "second": 30}
